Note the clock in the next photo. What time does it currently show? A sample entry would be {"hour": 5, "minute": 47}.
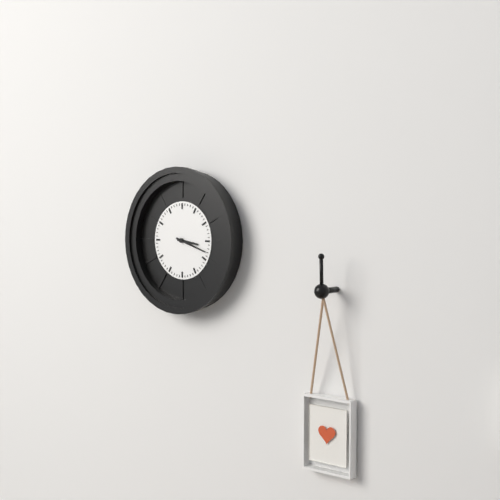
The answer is {"hour": 3, "minute": 18}
